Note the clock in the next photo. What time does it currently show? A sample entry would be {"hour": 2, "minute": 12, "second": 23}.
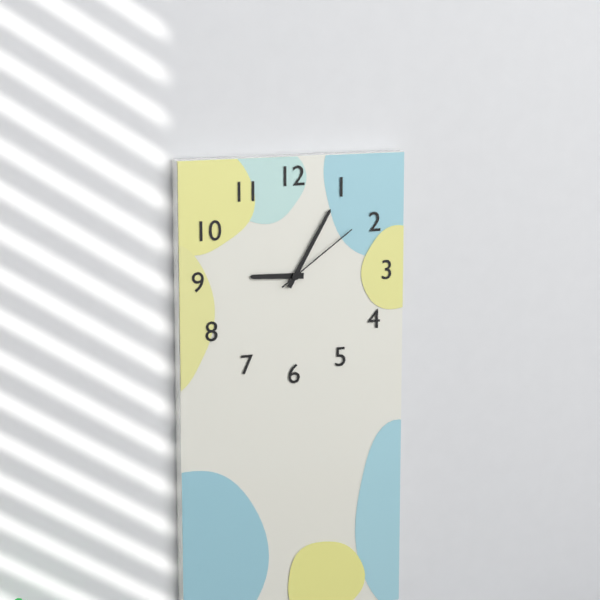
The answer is {"hour": 9, "minute": 5, "second": 9}
